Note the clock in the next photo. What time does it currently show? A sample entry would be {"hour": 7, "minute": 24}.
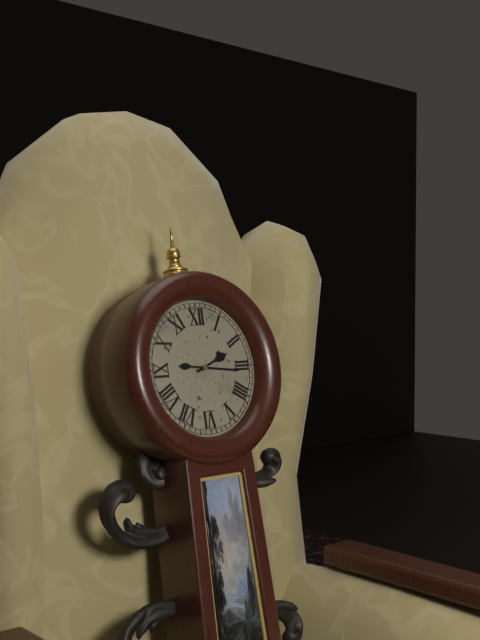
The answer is {"hour": 2, "minute": 16}
